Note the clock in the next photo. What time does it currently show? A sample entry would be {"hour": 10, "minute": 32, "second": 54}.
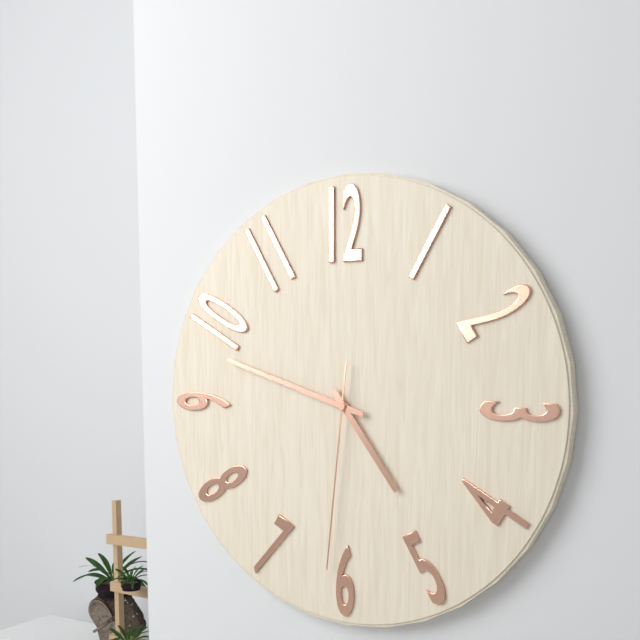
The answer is {"hour": 4, "minute": 48, "second": 31}
